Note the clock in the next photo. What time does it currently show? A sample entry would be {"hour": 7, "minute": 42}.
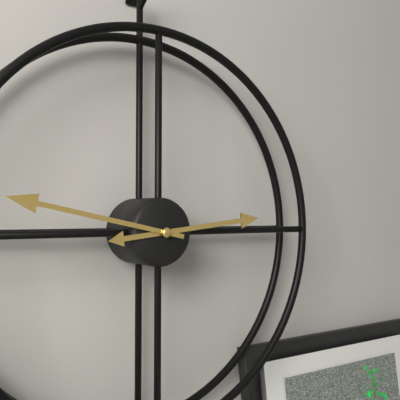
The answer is {"hour": 2, "minute": 47}
